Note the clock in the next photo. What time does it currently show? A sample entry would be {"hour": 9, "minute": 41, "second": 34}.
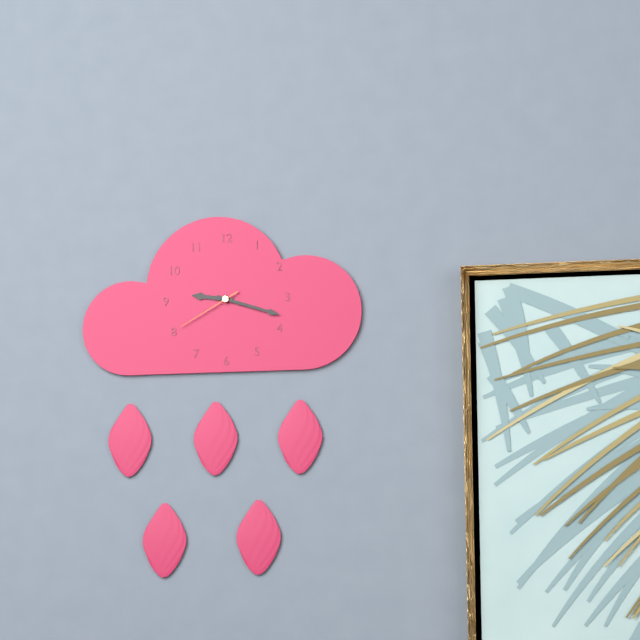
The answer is {"hour": 9, "minute": 18, "second": 40}
